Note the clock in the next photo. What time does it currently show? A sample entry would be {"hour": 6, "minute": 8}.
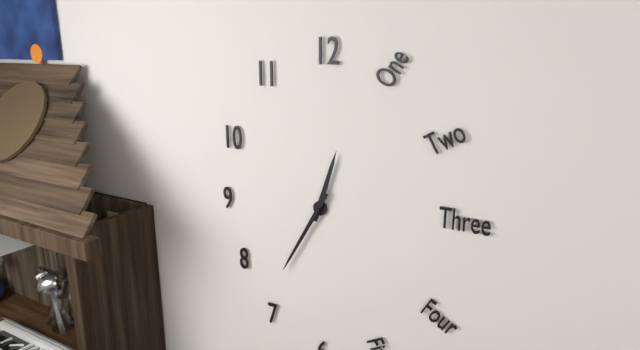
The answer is {"hour": 12, "minute": 35}
